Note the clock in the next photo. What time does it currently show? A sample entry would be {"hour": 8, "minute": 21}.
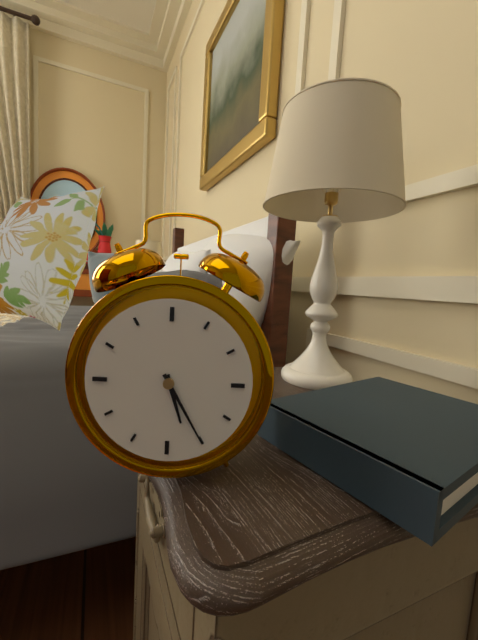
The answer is {"hour": 5, "minute": 25}
